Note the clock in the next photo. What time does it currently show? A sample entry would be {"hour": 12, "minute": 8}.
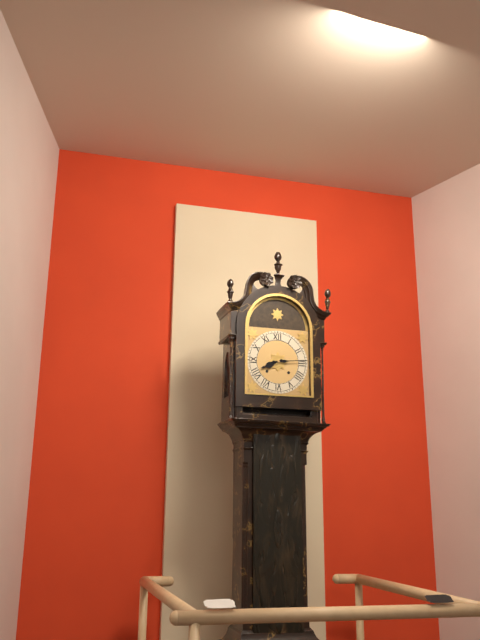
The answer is {"hour": 8, "minute": 14}
